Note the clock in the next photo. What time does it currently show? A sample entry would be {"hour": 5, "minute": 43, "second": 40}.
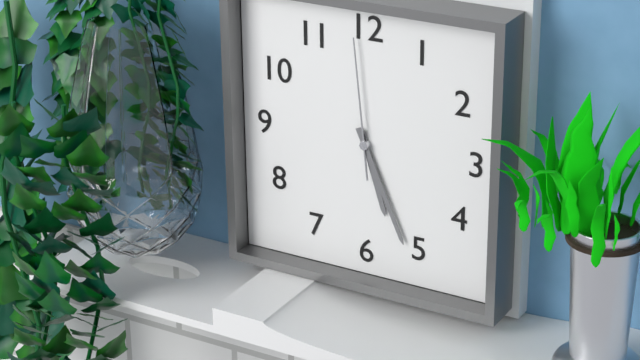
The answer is {"hour": 5, "minute": 26, "second": 59}
